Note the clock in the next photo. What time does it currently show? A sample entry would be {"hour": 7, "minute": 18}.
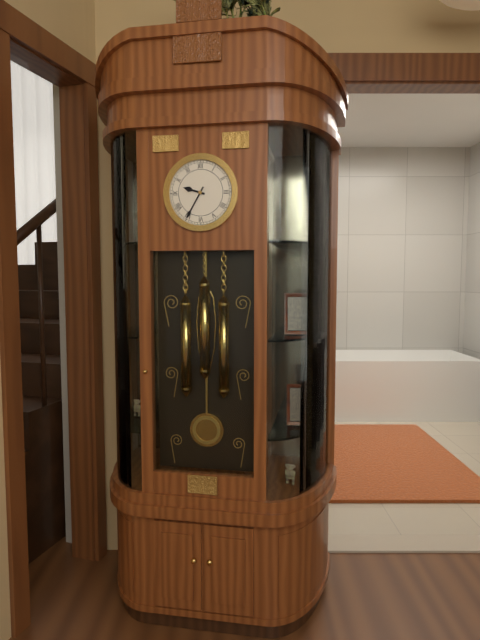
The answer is {"hour": 9, "minute": 35}
